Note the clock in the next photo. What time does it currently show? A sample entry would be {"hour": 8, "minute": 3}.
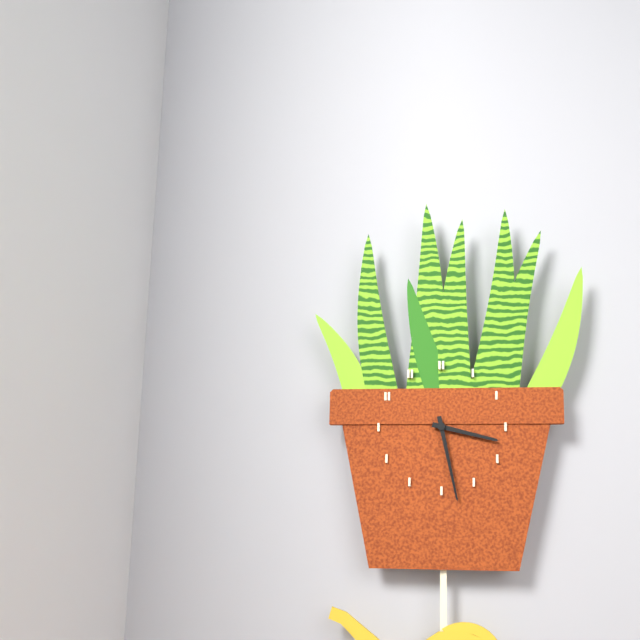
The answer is {"hour": 3, "minute": 28}
